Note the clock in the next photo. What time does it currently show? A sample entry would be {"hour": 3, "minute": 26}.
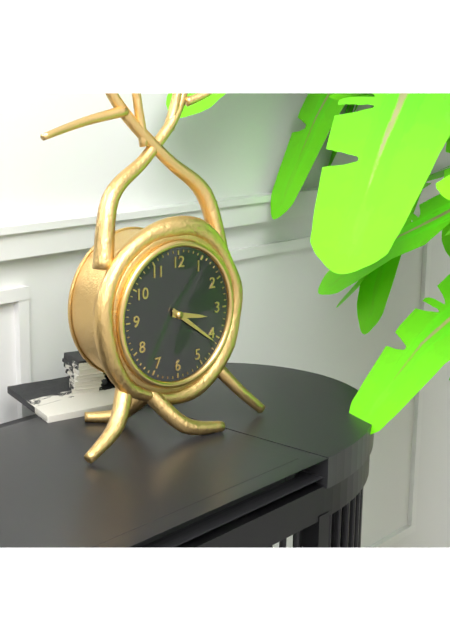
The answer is {"hour": 3, "minute": 21}
